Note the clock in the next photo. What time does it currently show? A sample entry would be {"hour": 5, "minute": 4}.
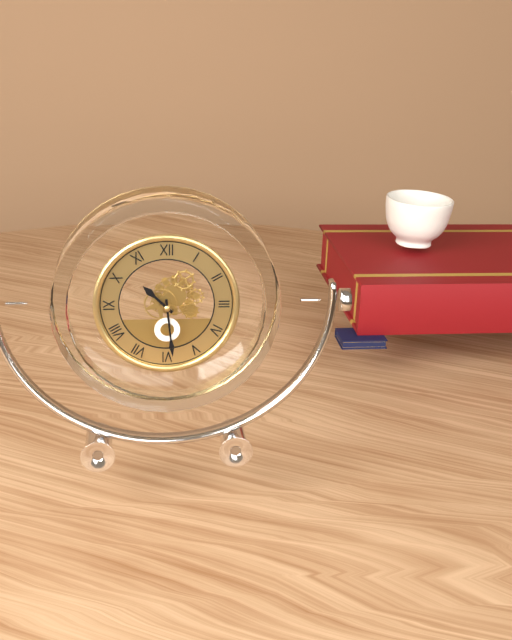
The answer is {"hour": 10, "minute": 29}
